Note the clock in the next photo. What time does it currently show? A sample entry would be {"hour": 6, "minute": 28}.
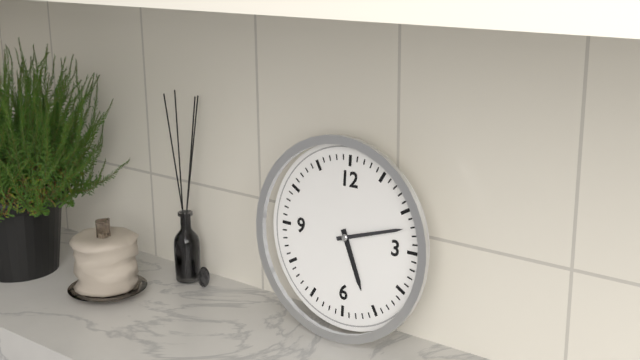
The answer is {"hour": 5, "minute": 12}
